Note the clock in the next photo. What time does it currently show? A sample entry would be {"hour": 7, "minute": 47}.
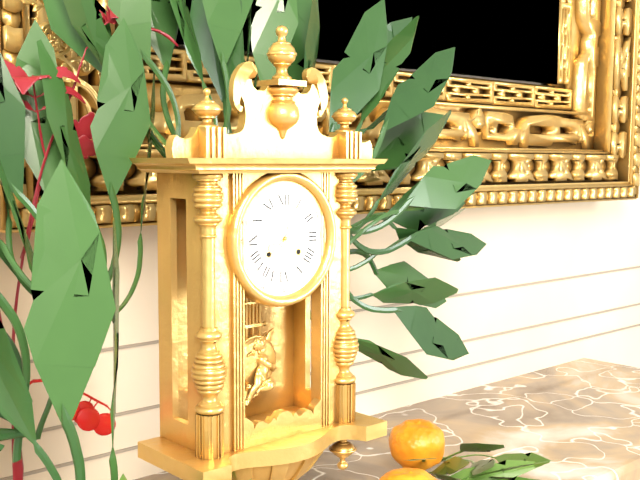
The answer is {"hour": 8, "minute": 4}
